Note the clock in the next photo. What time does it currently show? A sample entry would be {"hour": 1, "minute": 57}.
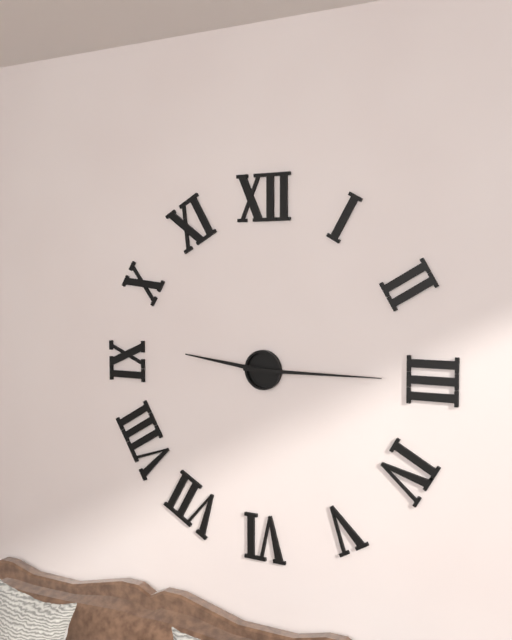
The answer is {"hour": 9, "minute": 15}
